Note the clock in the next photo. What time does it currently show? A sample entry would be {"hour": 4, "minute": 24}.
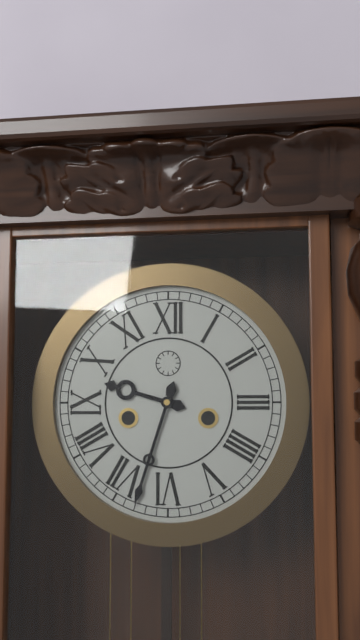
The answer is {"hour": 9, "minute": 33}
